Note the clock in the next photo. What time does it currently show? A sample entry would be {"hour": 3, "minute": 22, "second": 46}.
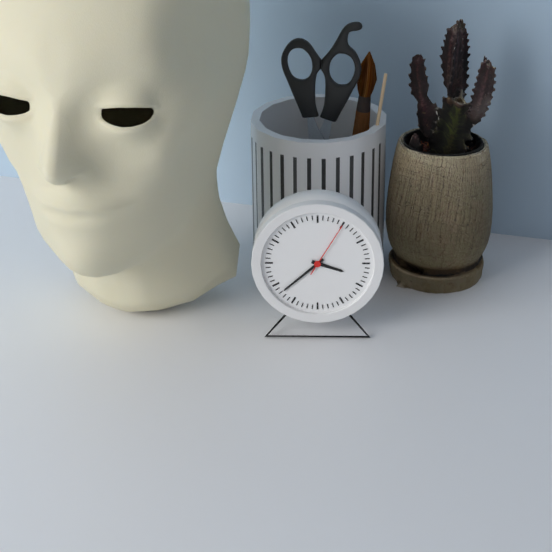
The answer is {"hour": 3, "minute": 38, "second": 5}
